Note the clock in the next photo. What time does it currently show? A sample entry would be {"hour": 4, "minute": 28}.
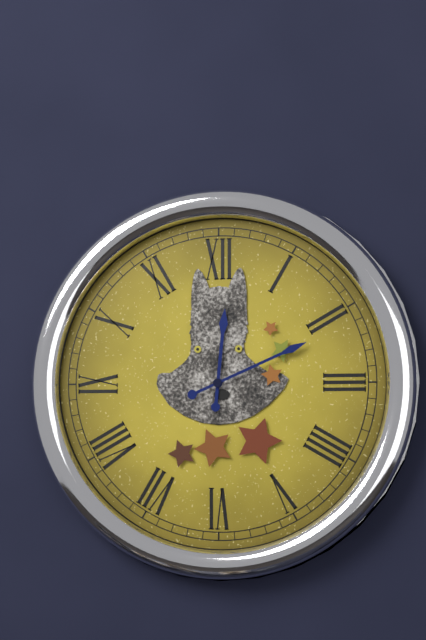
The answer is {"hour": 12, "minute": 11}
